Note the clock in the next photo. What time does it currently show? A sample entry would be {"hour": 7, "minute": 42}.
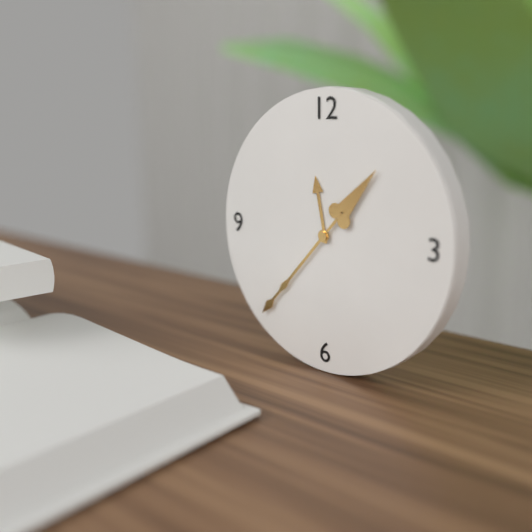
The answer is {"hour": 11, "minute": 37}
